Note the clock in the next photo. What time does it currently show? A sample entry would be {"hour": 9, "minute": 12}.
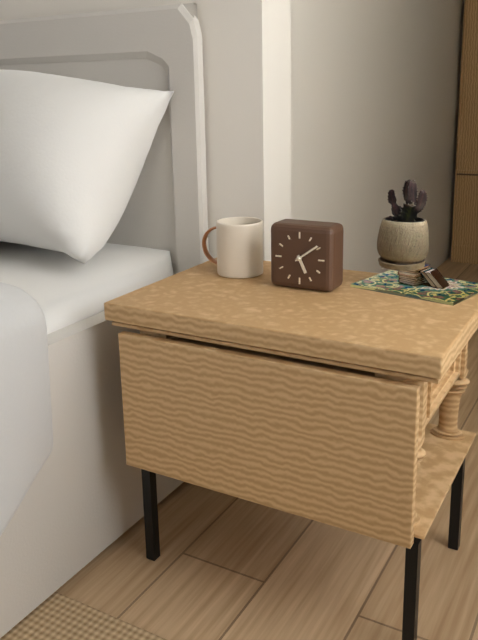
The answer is {"hour": 5, "minute": 9}
